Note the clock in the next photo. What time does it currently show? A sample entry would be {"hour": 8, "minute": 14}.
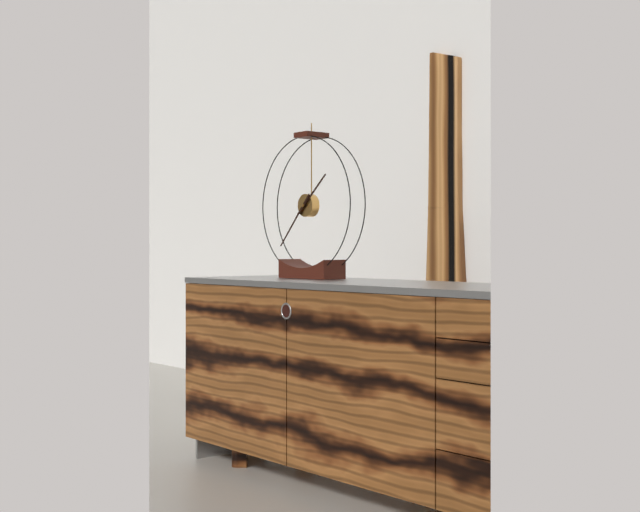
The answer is {"hour": 1, "minute": 37}
